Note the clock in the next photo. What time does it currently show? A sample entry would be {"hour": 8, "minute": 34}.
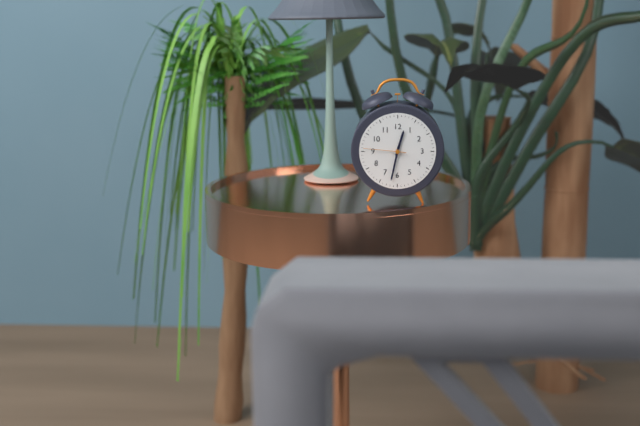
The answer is {"hour": 12, "minute": 32}
